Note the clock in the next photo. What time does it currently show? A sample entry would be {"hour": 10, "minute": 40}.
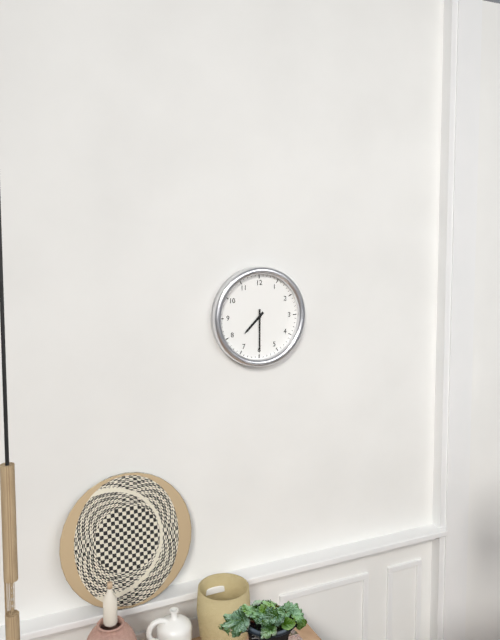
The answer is {"hour": 7, "minute": 30}
